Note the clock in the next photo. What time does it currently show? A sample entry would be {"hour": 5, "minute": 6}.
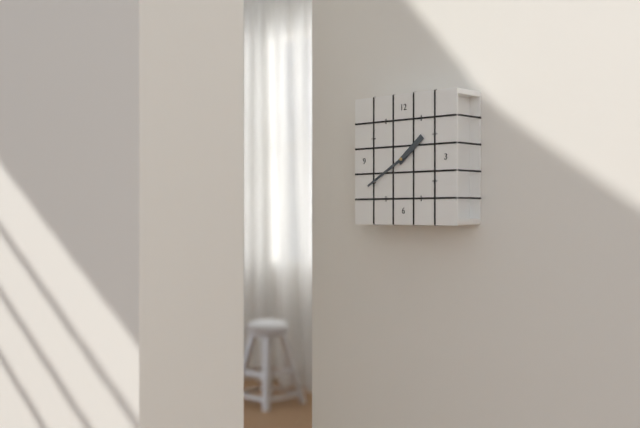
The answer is {"hour": 1, "minute": 40}
